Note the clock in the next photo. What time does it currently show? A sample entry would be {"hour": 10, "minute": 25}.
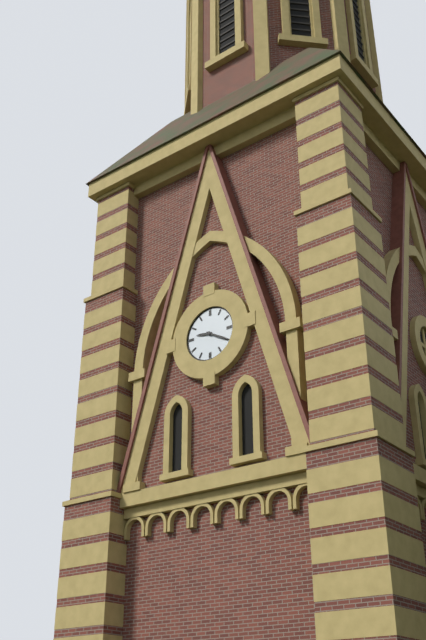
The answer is {"hour": 9, "minute": 20}
